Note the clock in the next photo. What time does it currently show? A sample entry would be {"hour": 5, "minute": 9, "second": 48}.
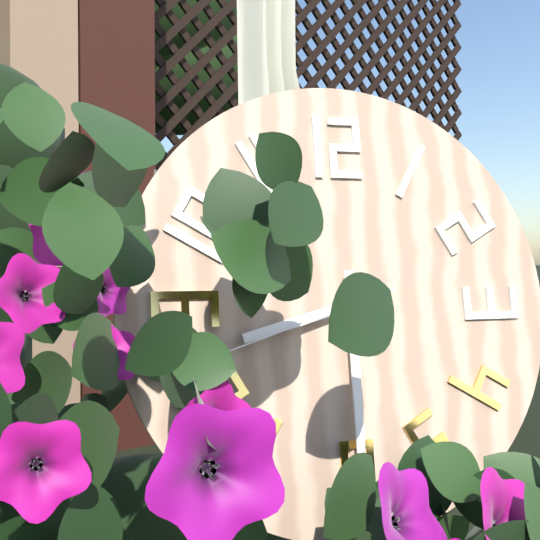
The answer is {"hour": 8, "minute": 30, "second": 42}
